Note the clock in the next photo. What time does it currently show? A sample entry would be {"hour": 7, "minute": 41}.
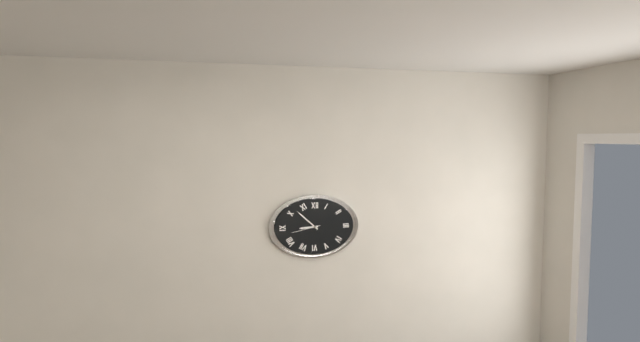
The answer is {"hour": 8, "minute": 52}
